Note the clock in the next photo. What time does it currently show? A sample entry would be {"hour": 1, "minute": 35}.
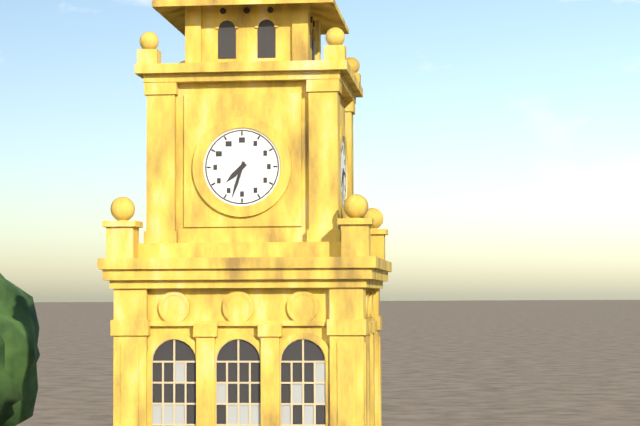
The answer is {"hour": 7, "minute": 33}
